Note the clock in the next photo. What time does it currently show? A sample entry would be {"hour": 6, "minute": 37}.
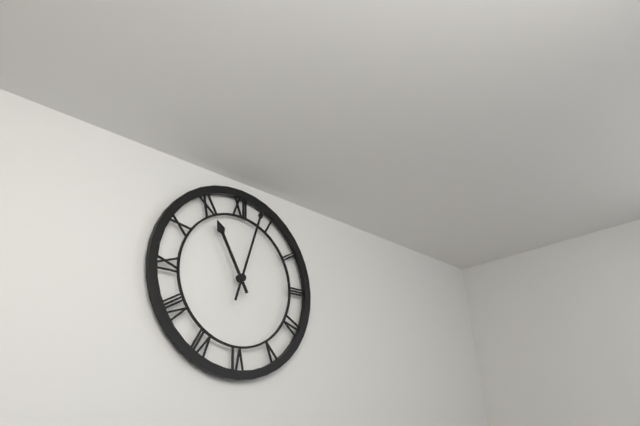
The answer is {"hour": 11, "minute": 3}
